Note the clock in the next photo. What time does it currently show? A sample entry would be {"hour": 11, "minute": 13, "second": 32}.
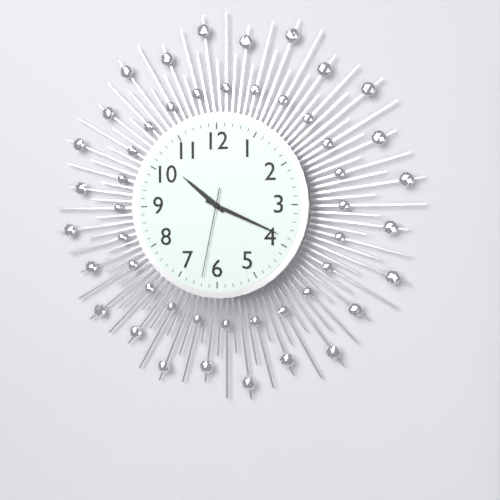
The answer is {"hour": 10, "minute": 19, "second": 32}
